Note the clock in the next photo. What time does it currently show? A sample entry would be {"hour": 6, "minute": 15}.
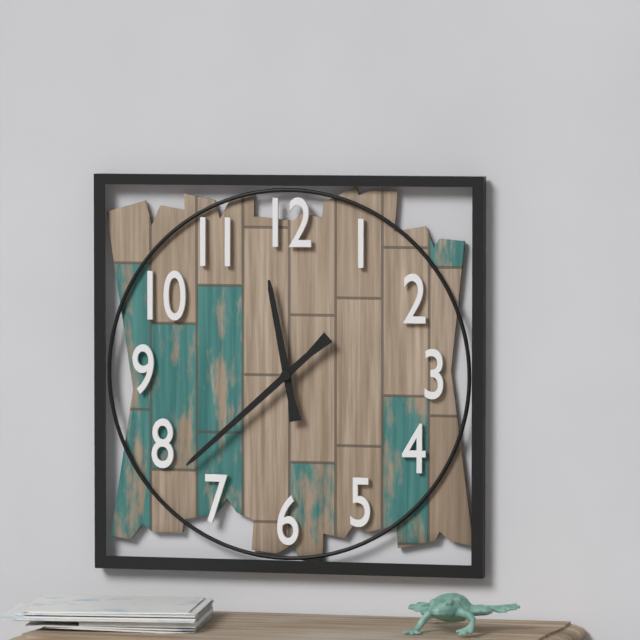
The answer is {"hour": 11, "minute": 38}
